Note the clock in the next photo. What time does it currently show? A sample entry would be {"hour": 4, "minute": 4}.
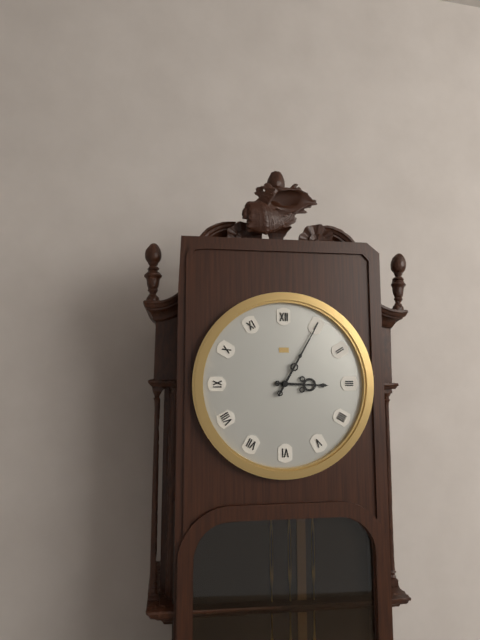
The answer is {"hour": 3, "minute": 5}
